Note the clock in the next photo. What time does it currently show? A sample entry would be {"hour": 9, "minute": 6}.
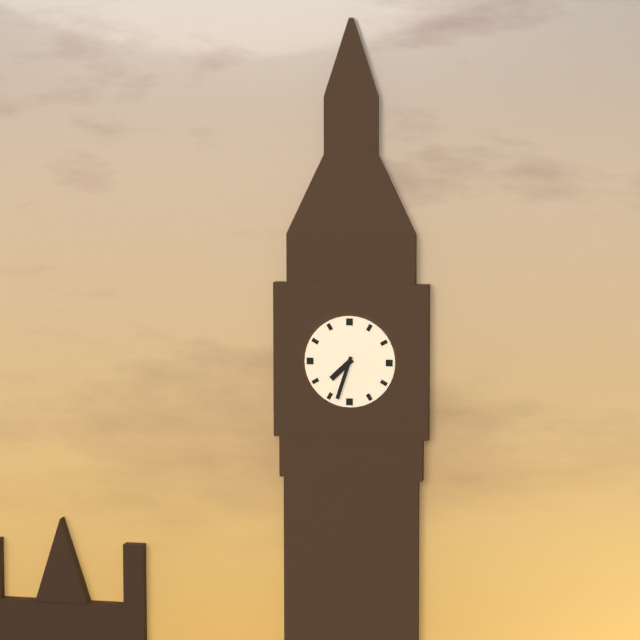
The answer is {"hour": 7, "minute": 33}
